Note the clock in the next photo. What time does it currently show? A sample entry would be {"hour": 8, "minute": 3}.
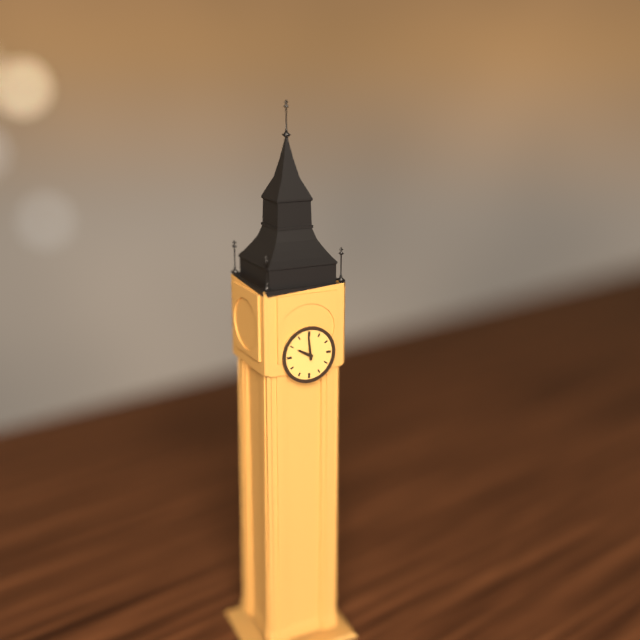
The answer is {"hour": 9, "minute": 59}
